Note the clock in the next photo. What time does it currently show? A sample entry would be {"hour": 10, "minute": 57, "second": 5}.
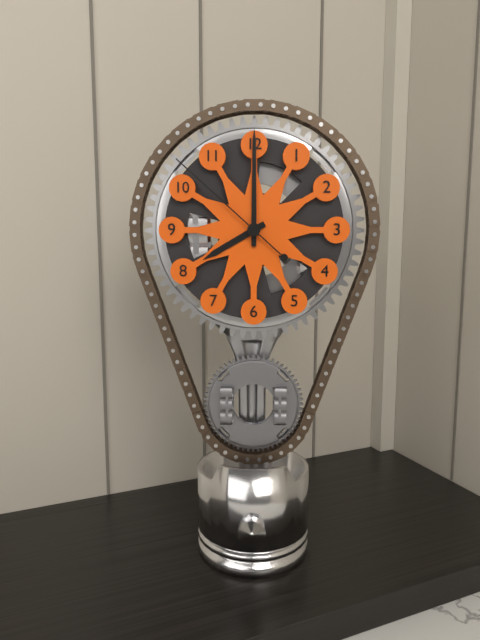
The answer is {"hour": 8, "minute": 0, "second": 52}
